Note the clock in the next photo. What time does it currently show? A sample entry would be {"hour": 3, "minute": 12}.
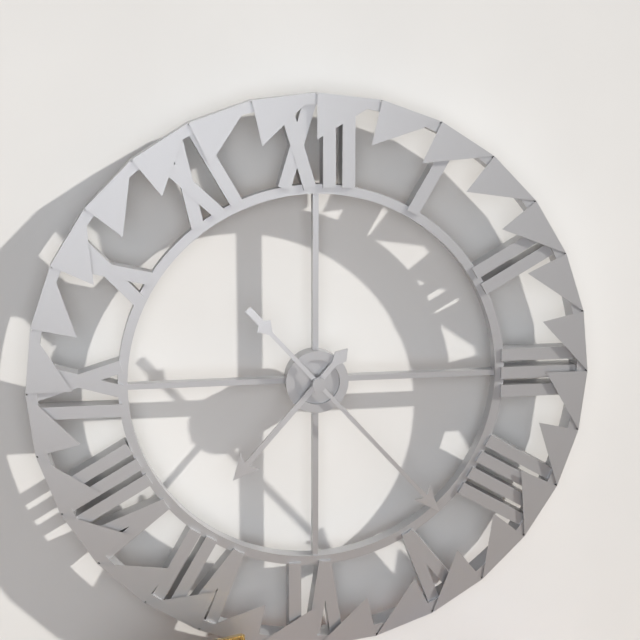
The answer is {"hour": 7, "minute": 23}
